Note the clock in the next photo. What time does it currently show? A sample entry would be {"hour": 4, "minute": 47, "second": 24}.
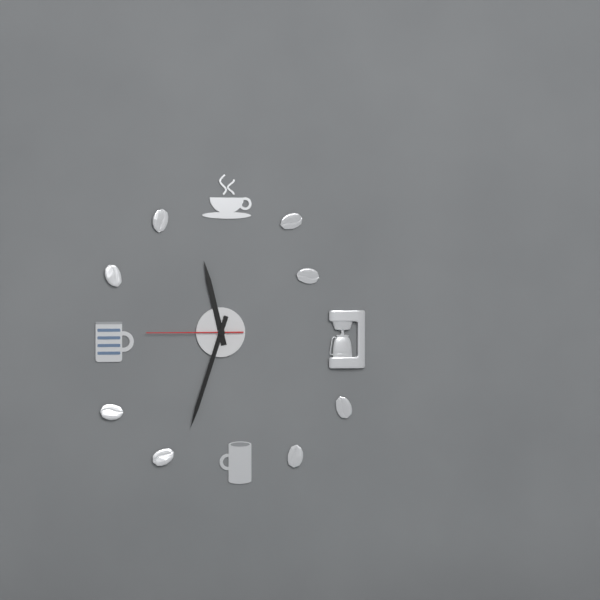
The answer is {"hour": 11, "minute": 33, "second": 45}
